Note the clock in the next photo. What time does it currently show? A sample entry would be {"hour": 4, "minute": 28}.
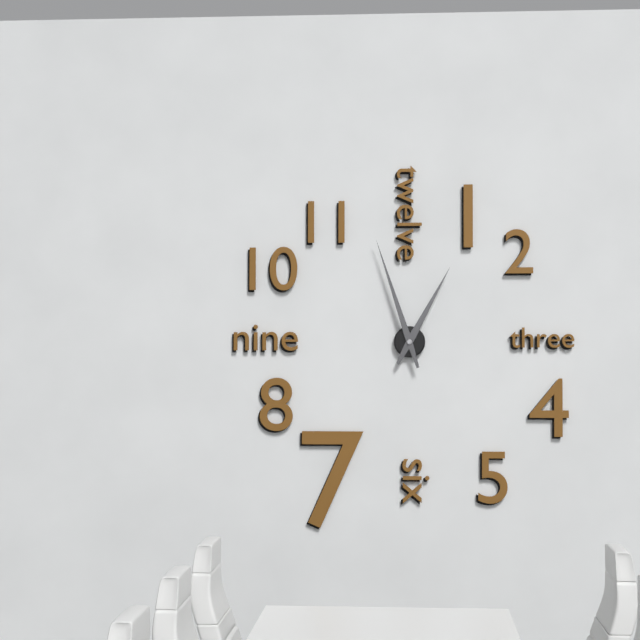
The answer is {"hour": 12, "minute": 57}
